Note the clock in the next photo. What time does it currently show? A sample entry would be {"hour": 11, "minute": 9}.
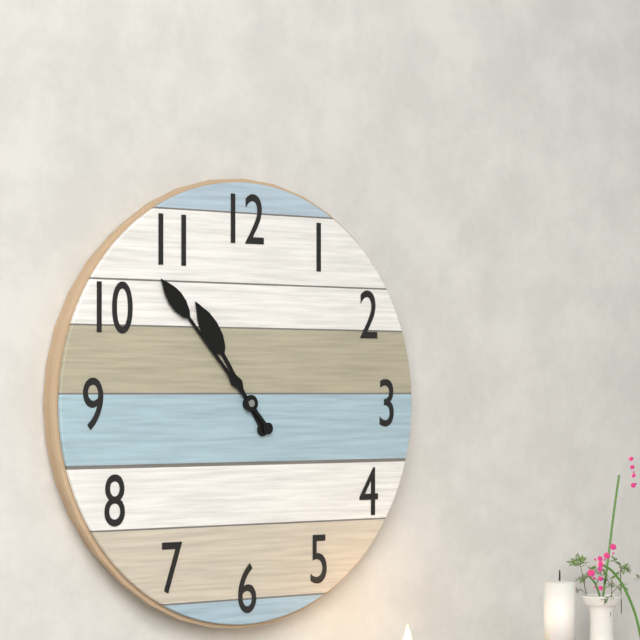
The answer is {"hour": 10, "minute": 53}
